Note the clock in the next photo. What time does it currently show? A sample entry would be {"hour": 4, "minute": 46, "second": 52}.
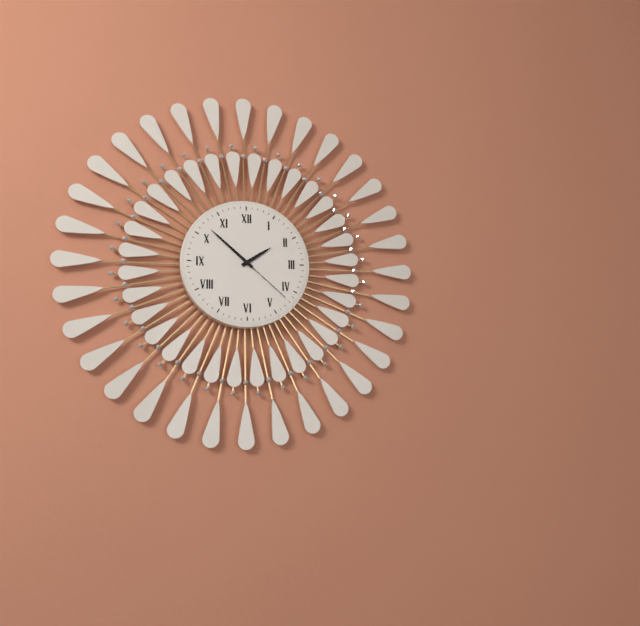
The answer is {"hour": 1, "minute": 52, "second": 22}
